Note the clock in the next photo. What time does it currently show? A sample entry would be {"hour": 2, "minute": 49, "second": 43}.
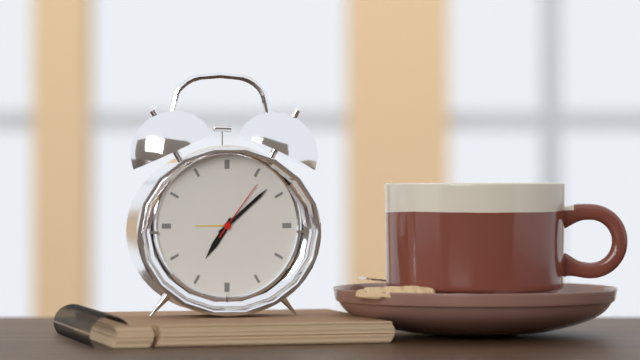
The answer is {"hour": 7, "minute": 8, "second": 6}
